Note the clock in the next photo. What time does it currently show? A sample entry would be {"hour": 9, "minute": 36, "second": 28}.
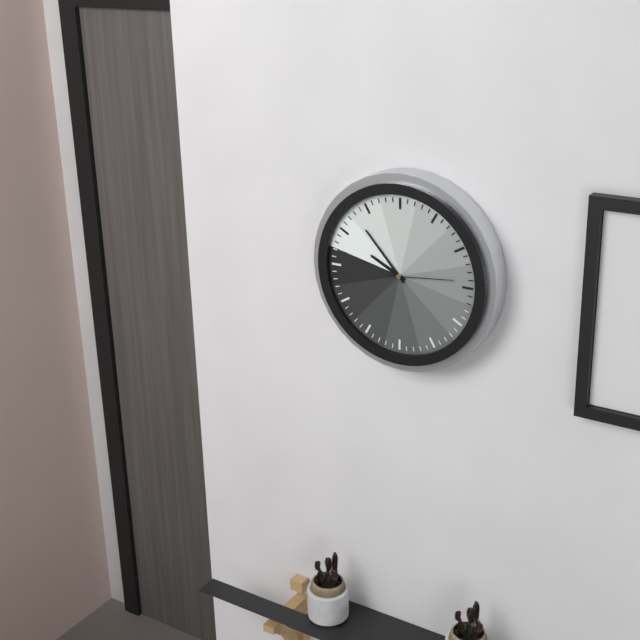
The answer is {"hour": 9, "minute": 53, "second": 14}
